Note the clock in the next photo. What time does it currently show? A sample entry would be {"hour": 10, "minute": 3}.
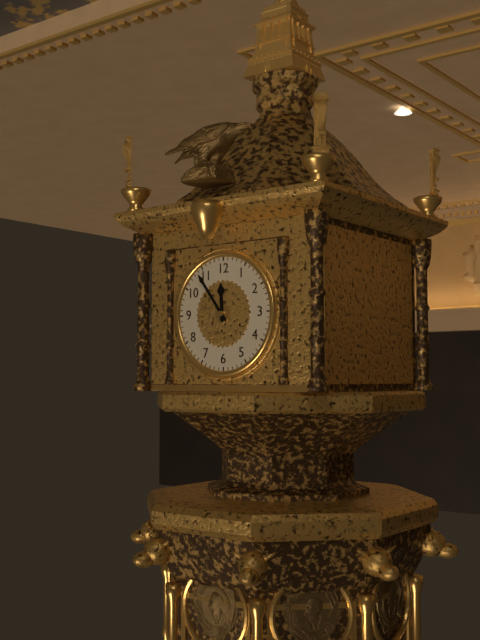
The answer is {"hour": 11, "minute": 54}
